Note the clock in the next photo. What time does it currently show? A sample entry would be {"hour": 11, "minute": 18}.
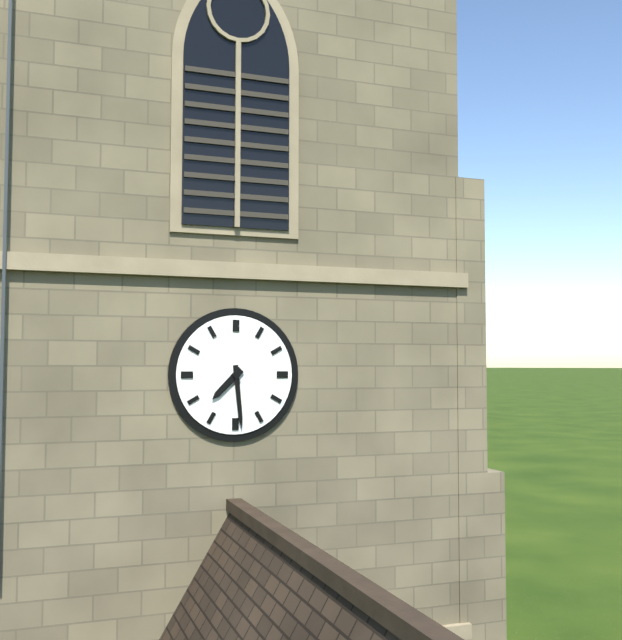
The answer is {"hour": 7, "minute": 29}
